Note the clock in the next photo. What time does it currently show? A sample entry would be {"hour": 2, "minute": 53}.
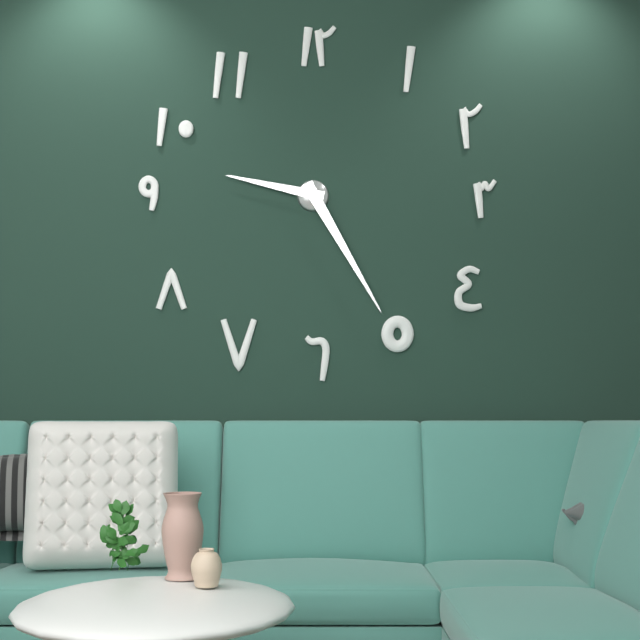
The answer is {"hour": 9, "minute": 25}
